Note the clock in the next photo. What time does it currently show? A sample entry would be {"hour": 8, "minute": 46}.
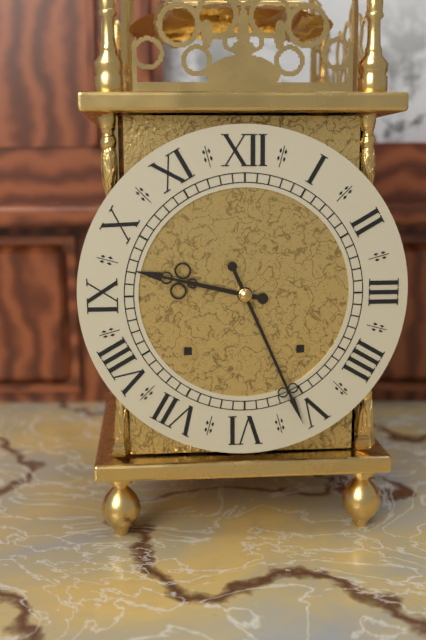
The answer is {"hour": 9, "minute": 26}
